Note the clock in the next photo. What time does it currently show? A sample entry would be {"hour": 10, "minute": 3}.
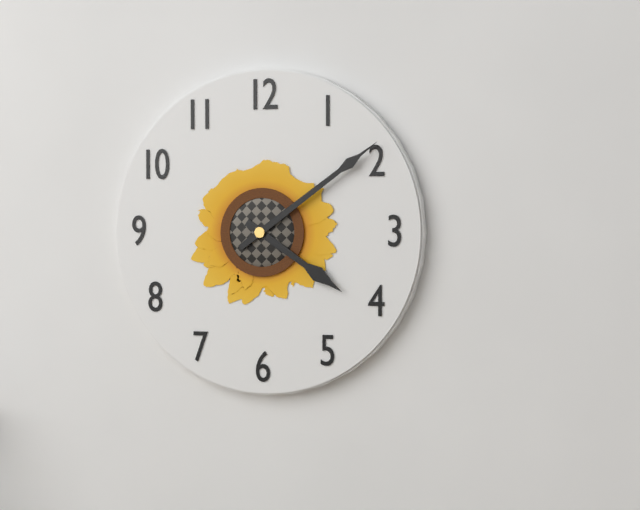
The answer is {"hour": 4, "minute": 9}
